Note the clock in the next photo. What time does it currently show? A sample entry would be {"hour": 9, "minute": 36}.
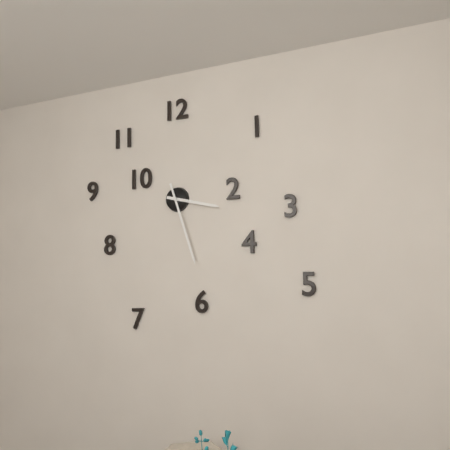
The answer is {"hour": 3, "minute": 27}
